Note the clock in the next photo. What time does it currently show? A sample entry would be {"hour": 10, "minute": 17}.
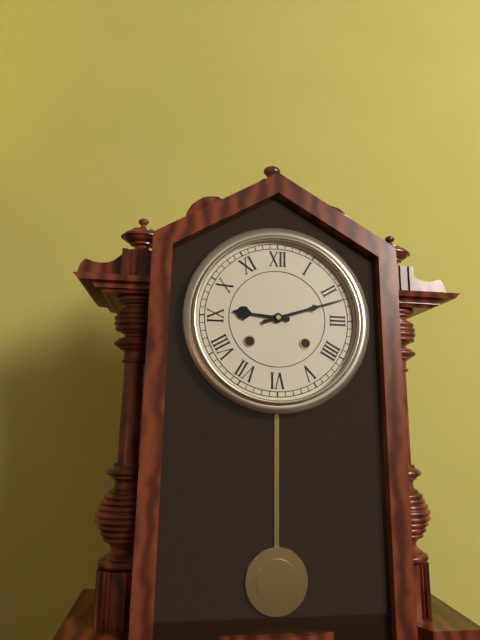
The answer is {"hour": 9, "minute": 12}
